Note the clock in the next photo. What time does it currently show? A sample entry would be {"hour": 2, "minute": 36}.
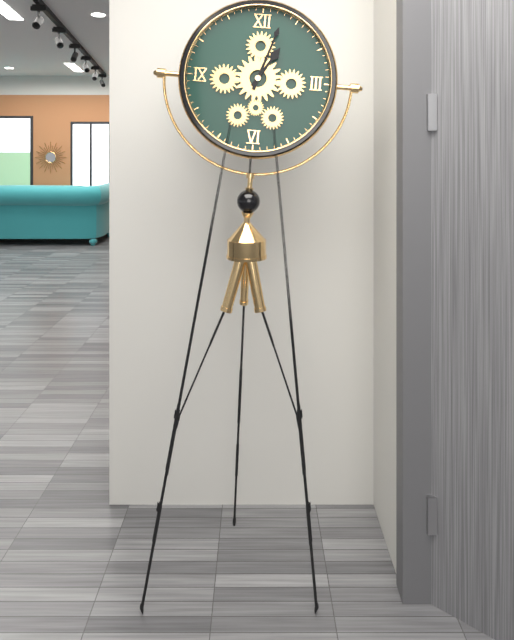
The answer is {"hour": 1, "minute": 3}
